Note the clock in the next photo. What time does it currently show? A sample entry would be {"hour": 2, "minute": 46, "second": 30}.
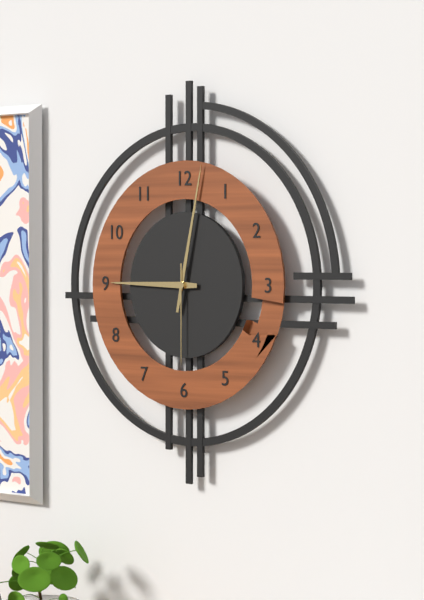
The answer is {"hour": 9, "minute": 2, "second": 30}
